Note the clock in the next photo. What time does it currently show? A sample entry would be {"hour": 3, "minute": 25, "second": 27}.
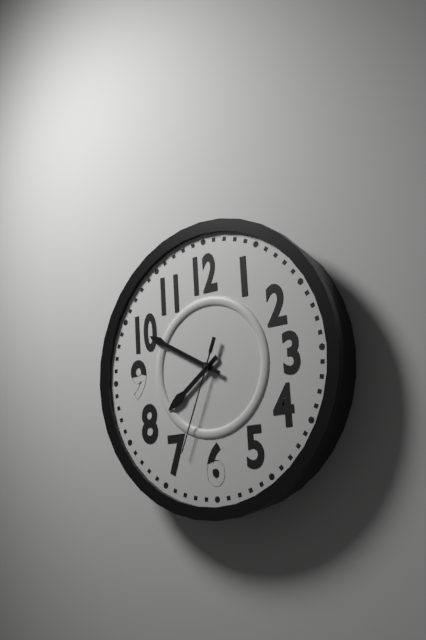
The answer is {"hour": 7, "minute": 50, "second": 34}
